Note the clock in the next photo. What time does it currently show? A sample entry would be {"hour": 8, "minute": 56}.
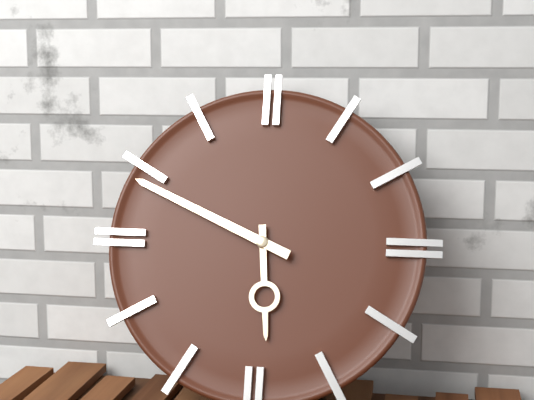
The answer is {"hour": 5, "minute": 49}
